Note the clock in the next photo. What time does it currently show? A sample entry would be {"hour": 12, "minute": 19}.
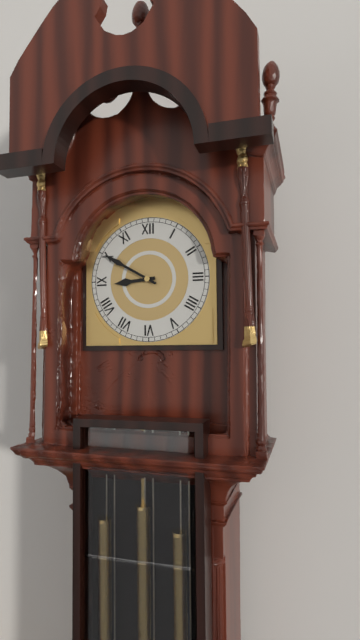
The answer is {"hour": 8, "minute": 50}
